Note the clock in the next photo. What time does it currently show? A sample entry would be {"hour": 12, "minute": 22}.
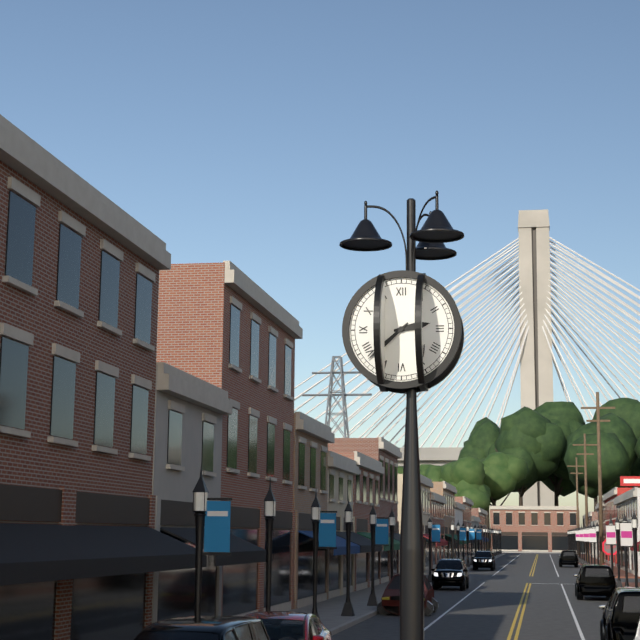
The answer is {"hour": 2, "minute": 38}
